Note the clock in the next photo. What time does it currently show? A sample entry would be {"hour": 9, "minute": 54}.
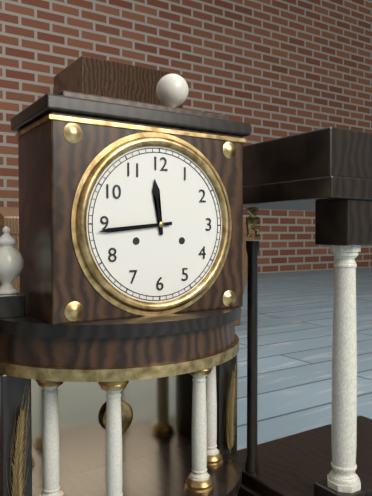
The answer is {"hour": 11, "minute": 44}
